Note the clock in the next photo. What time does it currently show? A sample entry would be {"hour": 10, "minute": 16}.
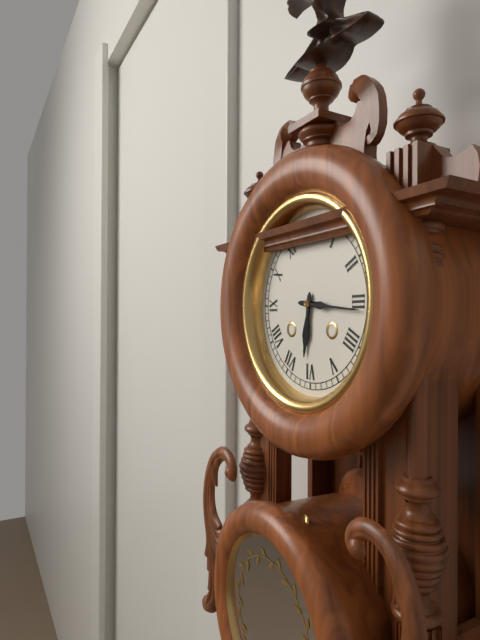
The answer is {"hour": 6, "minute": 16}
